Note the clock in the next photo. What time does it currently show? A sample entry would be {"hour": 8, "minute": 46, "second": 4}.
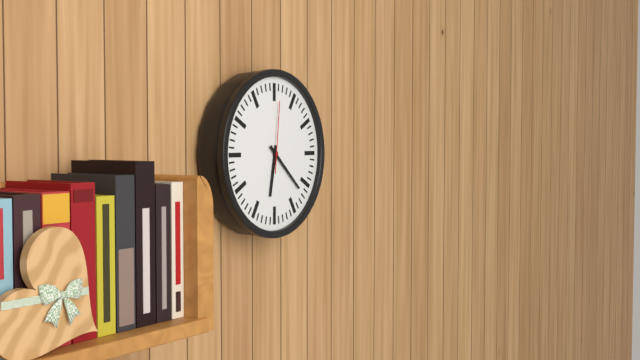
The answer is {"hour": 6, "minute": 22, "second": 1}
